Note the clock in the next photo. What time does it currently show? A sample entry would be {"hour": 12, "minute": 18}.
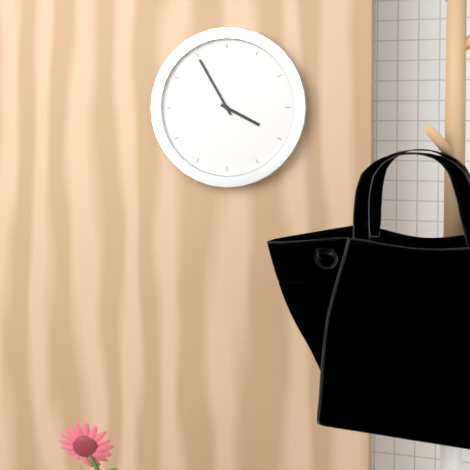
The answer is {"hour": 3, "minute": 55}
